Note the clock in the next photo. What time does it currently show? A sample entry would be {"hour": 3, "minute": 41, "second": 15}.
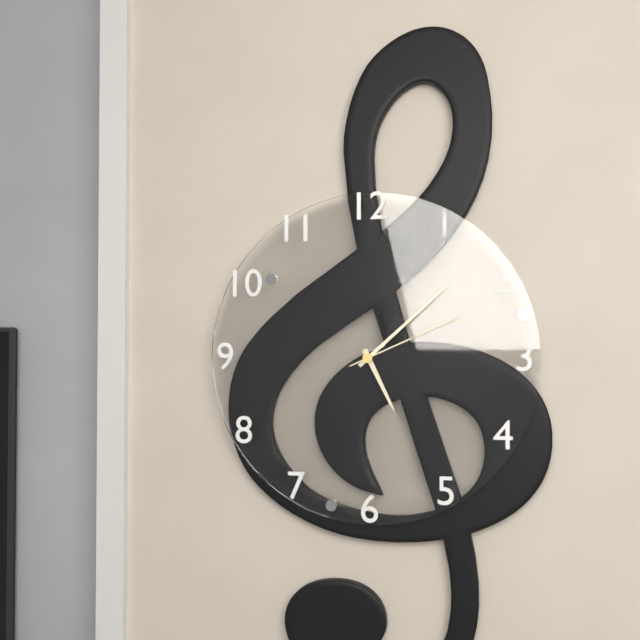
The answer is {"hour": 5, "minute": 8, "second": 11}
